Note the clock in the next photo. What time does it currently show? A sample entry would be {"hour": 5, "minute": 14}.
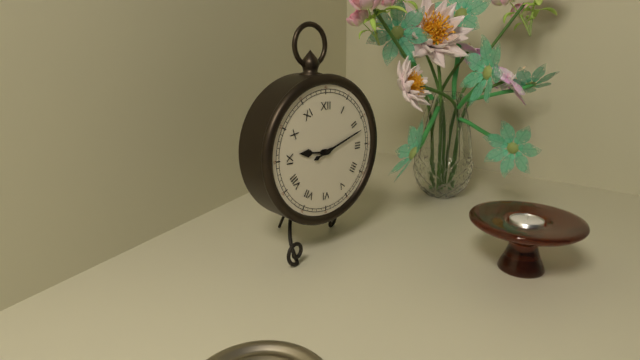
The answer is {"hour": 9, "minute": 12}
